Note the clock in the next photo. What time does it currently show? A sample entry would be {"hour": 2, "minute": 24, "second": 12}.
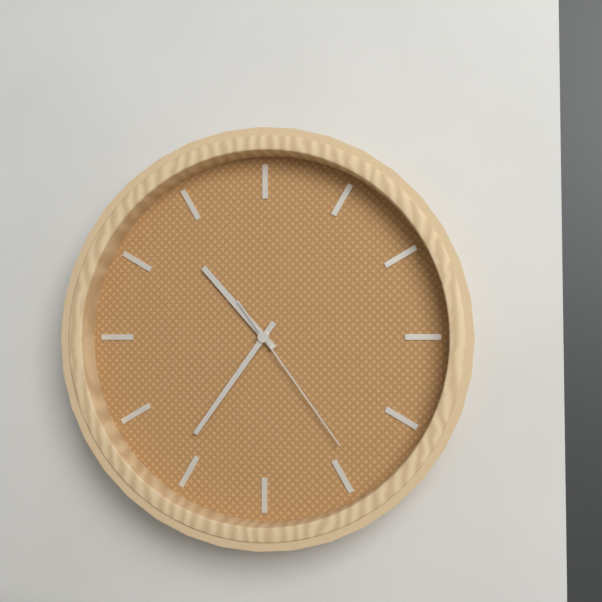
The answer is {"hour": 10, "minute": 36, "second": 24}
